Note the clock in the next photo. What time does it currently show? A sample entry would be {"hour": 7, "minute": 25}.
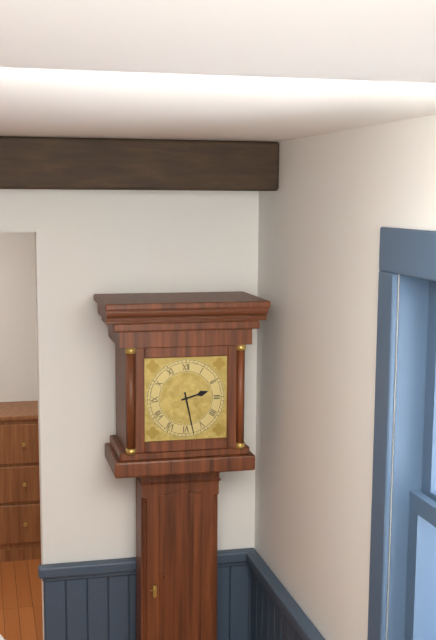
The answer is {"hour": 2, "minute": 28}
